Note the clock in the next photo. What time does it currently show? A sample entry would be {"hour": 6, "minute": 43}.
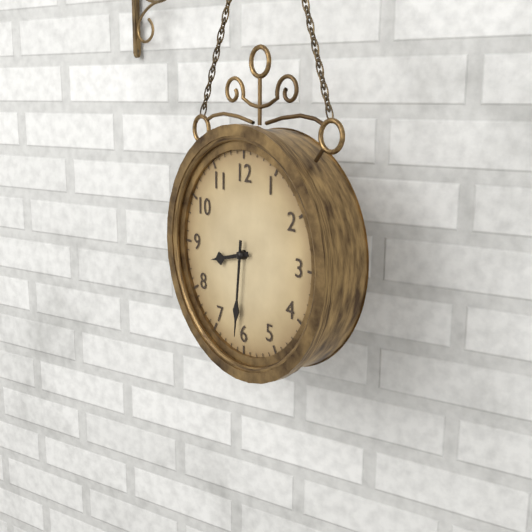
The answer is {"hour": 8, "minute": 31}
